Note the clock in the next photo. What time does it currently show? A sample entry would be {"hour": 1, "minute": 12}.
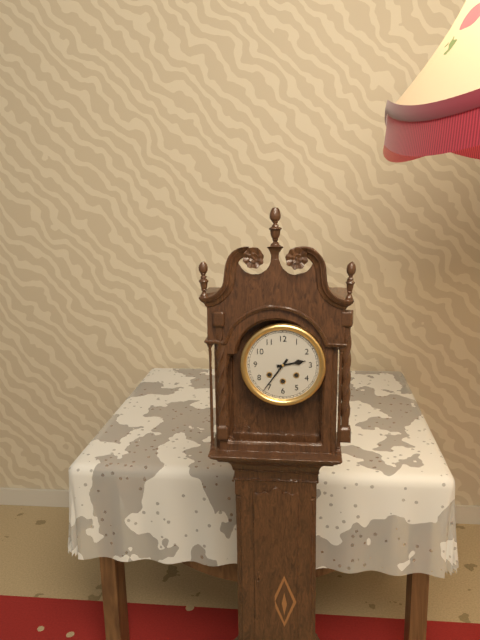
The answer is {"hour": 2, "minute": 36}
